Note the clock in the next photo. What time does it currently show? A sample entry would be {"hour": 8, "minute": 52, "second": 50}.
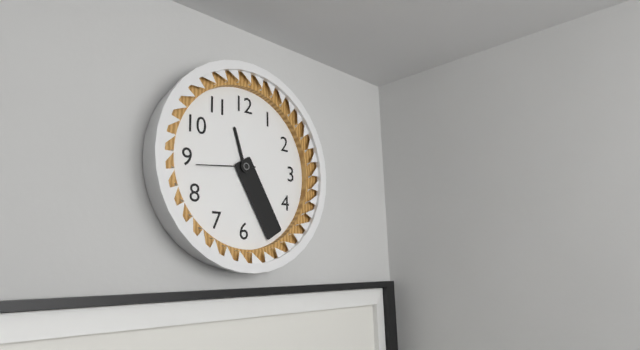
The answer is {"hour": 11, "minute": 25, "second": 44}
